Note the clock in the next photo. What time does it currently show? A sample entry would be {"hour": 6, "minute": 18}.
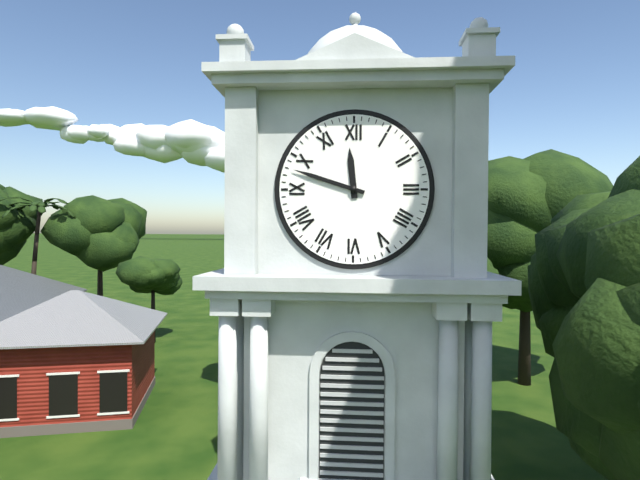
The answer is {"hour": 11, "minute": 48}
